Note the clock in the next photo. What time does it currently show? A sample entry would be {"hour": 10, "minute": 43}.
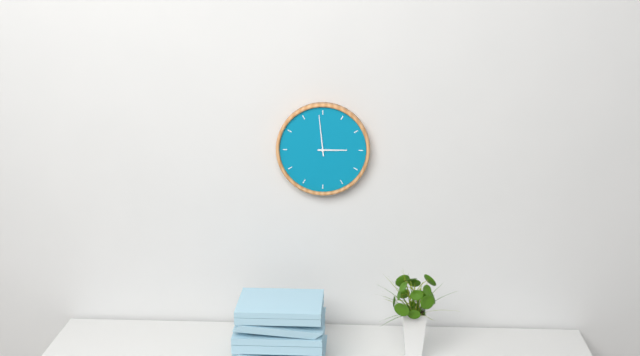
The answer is {"hour": 2, "minute": 59}
